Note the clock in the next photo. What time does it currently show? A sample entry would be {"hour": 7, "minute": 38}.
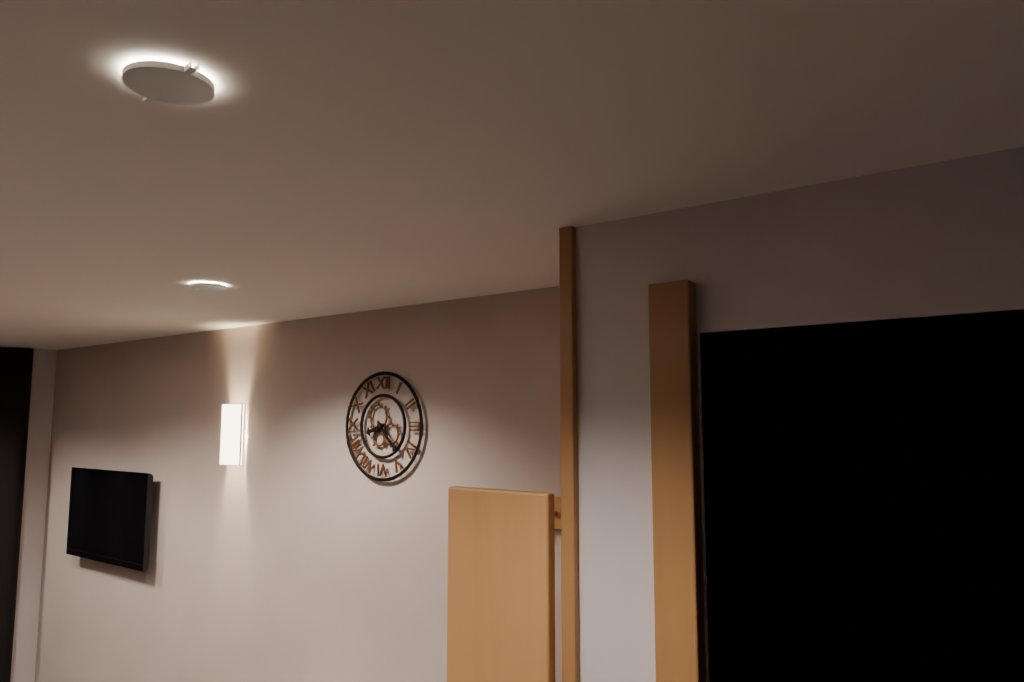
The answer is {"hour": 8, "minute": 23}
